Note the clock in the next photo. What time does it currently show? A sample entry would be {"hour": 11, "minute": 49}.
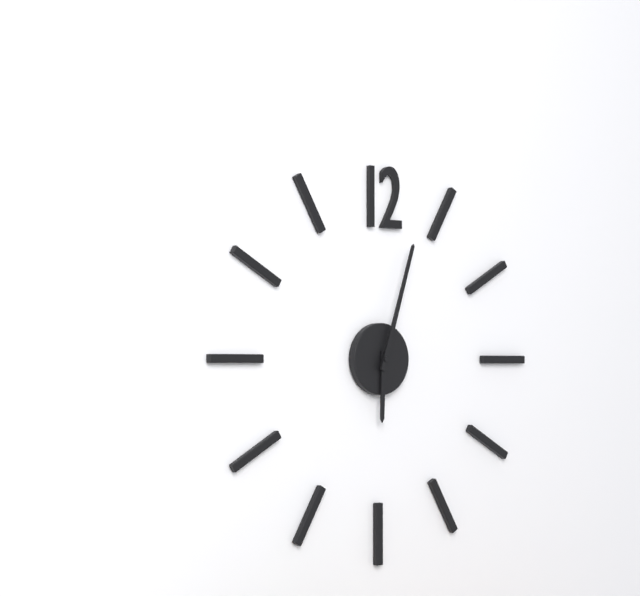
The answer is {"hour": 6, "minute": 3}
